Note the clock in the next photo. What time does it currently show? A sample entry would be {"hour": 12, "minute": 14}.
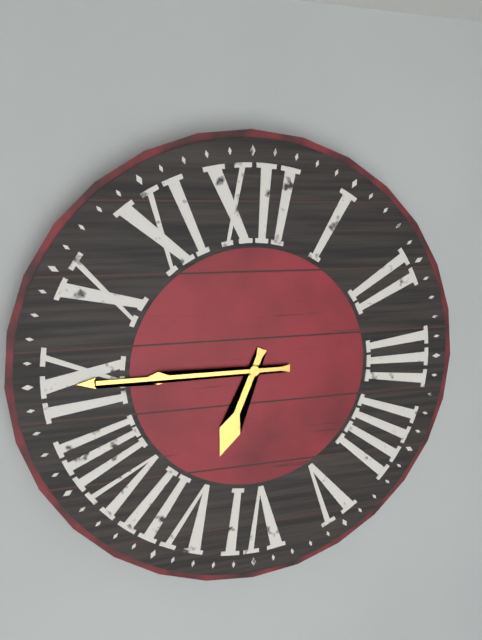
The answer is {"hour": 6, "minute": 45}
